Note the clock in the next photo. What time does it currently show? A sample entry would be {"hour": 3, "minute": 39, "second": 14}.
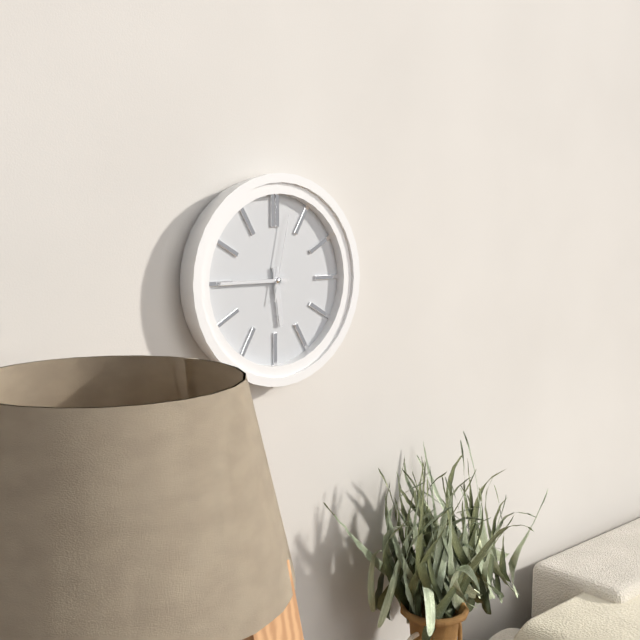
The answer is {"hour": 5, "minute": 45, "second": 2}
